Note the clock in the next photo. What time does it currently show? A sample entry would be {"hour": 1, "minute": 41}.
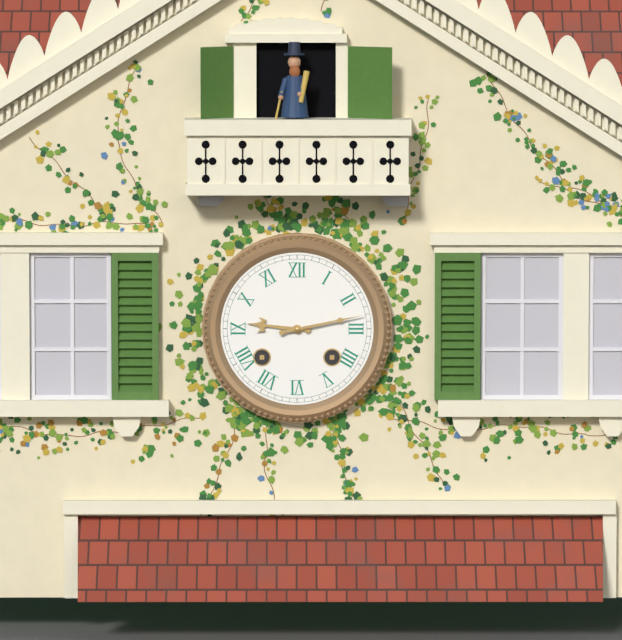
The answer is {"hour": 9, "minute": 13}
